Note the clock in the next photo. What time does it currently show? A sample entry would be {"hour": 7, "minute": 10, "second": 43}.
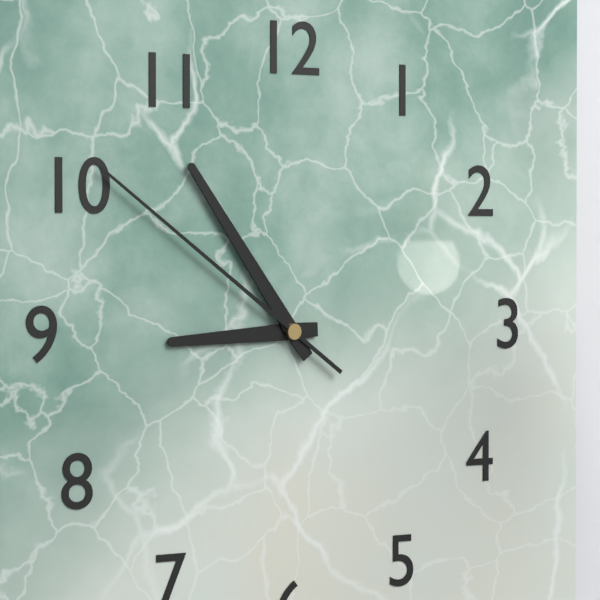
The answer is {"hour": 8, "minute": 54, "second": 51}
